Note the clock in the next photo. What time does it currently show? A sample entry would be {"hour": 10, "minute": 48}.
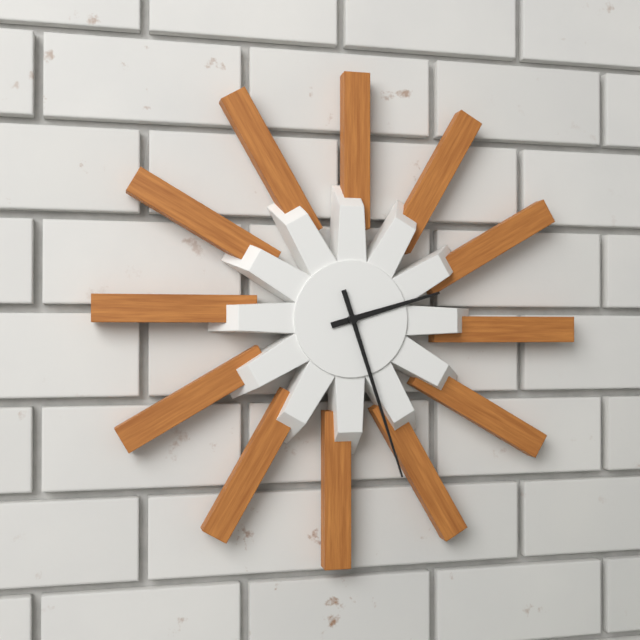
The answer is {"hour": 2, "minute": 27}
